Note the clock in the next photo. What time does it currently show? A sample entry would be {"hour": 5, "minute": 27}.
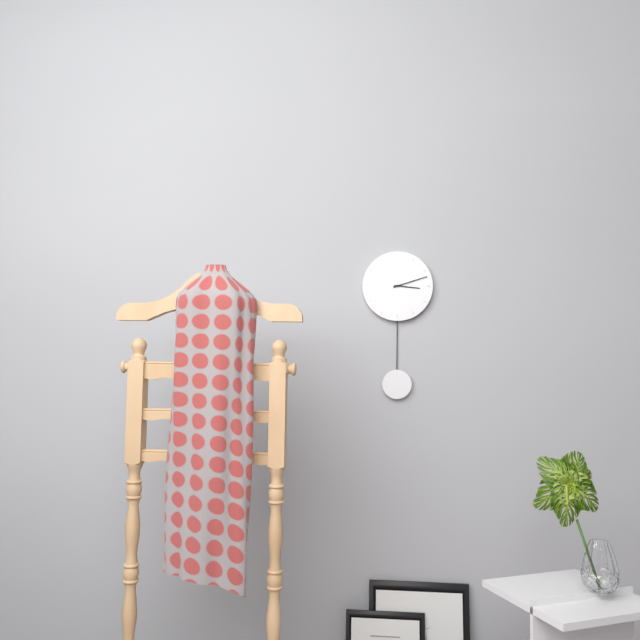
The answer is {"hour": 3, "minute": 12}
